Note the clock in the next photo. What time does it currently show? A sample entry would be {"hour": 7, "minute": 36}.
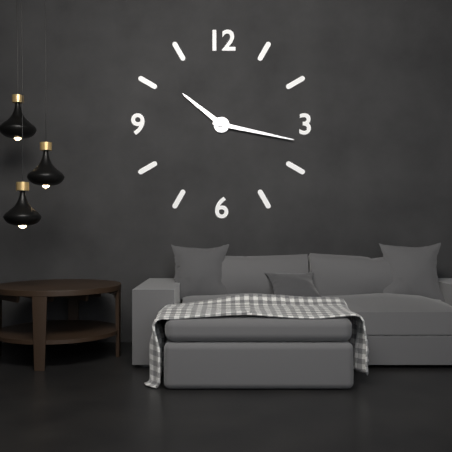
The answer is {"hour": 10, "minute": 17}
